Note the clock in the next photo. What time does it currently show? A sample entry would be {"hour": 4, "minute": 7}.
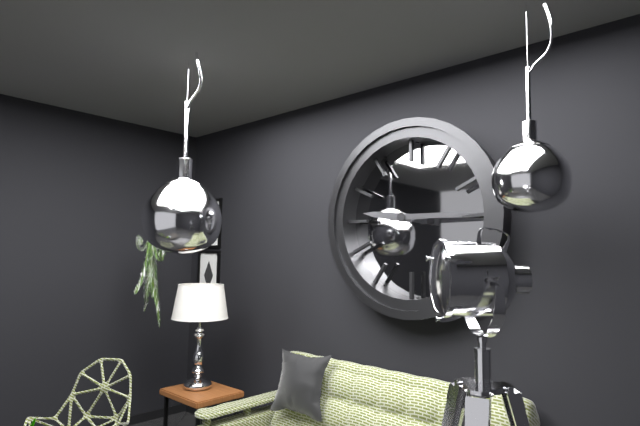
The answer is {"hour": 9, "minute": 15}
